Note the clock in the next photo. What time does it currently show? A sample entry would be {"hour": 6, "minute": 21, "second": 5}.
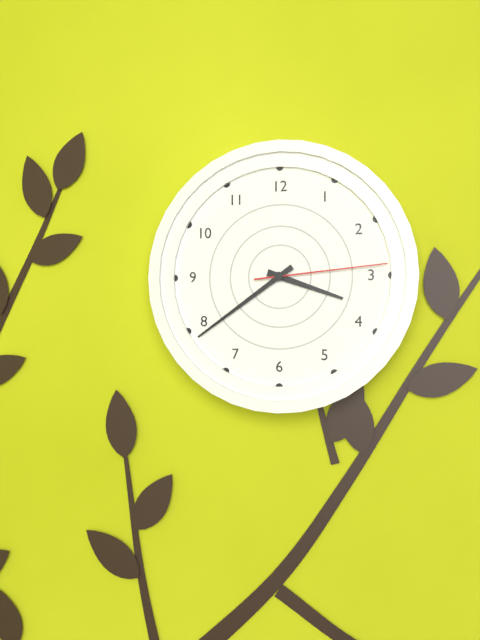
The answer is {"hour": 3, "minute": 39, "second": 14}
